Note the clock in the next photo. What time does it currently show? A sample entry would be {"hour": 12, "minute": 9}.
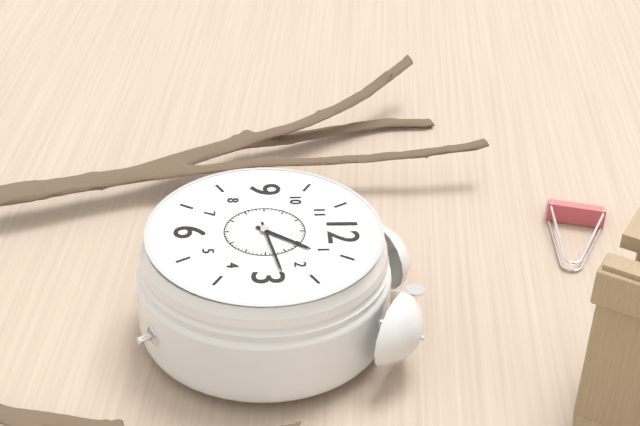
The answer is {"hour": 1, "minute": 13}
